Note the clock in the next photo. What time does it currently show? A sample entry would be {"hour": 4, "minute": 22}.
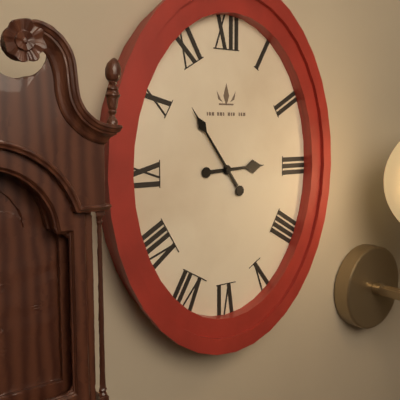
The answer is {"hour": 2, "minute": 54}
